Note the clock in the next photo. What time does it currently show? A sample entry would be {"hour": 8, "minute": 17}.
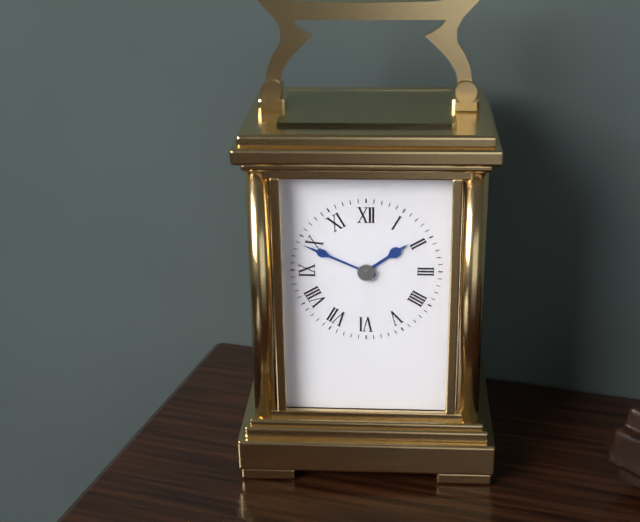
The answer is {"hour": 1, "minute": 49}
